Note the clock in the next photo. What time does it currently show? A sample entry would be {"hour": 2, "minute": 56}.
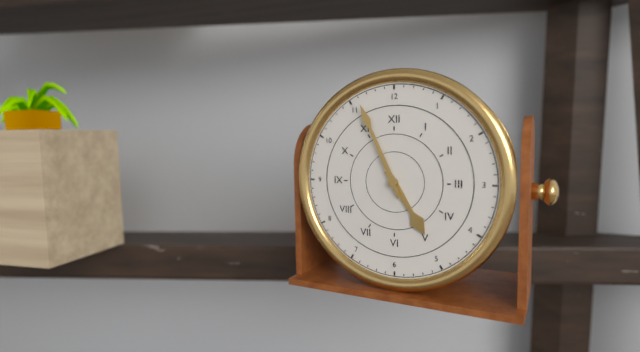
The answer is {"hour": 4, "minute": 56}
